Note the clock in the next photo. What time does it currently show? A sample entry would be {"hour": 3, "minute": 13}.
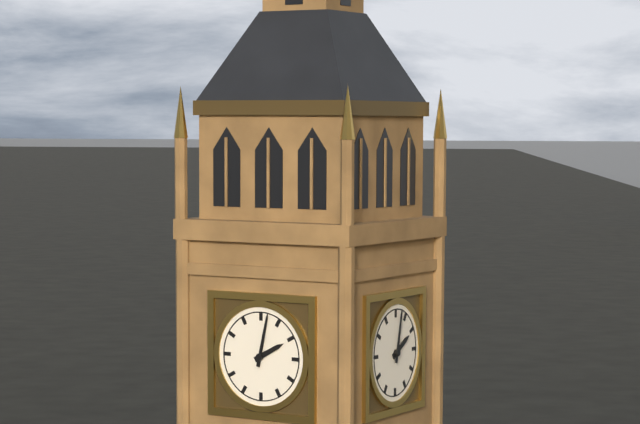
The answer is {"hour": 2, "minute": 2}
